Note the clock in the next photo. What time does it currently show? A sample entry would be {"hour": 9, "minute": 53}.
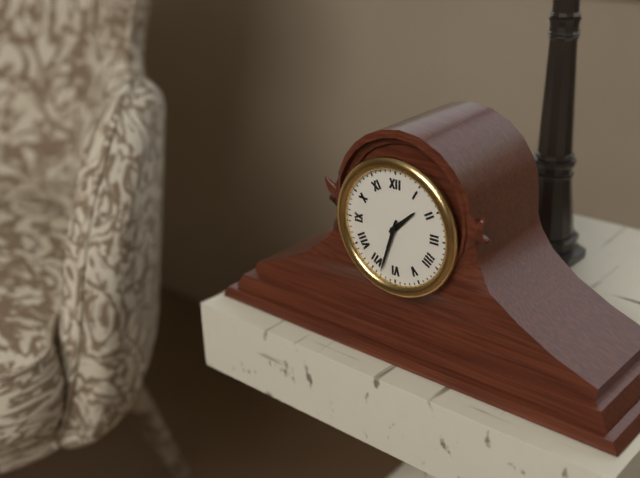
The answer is {"hour": 1, "minute": 33}
